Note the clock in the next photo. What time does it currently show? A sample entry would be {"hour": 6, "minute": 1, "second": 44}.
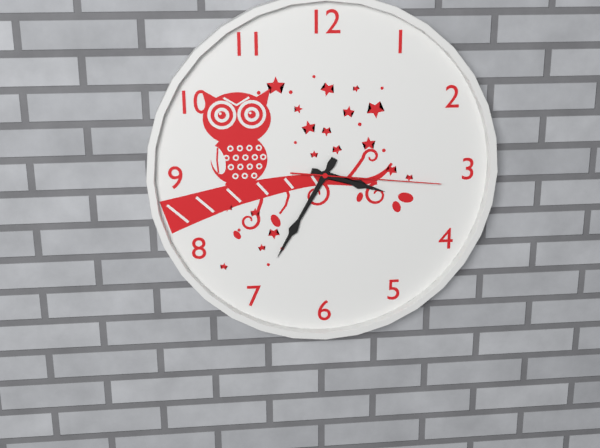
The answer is {"hour": 3, "minute": 35, "second": 16}
